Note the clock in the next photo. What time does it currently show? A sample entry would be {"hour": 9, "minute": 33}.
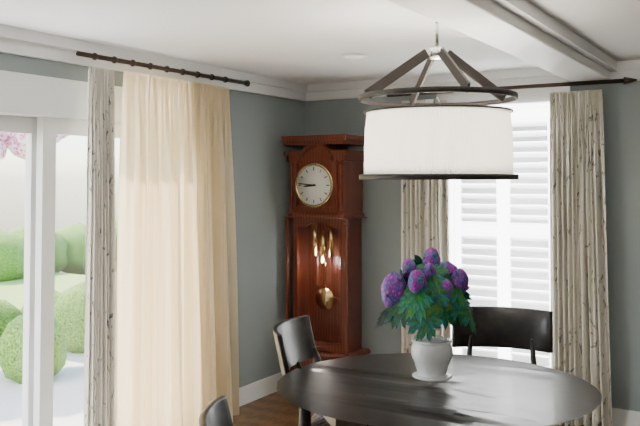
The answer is {"hour": 8, "minute": 46}
